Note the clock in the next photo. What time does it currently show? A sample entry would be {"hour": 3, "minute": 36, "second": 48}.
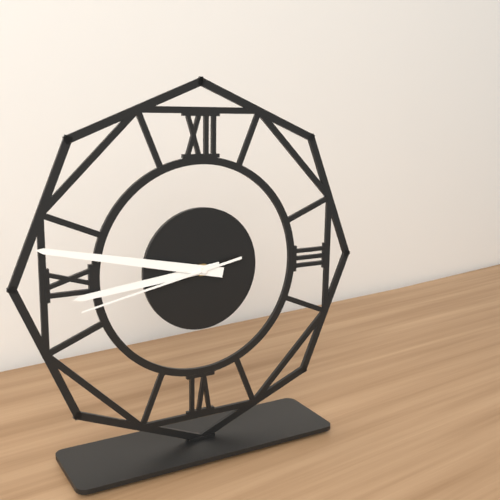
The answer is {"hour": 8, "minute": 47, "second": 43}
